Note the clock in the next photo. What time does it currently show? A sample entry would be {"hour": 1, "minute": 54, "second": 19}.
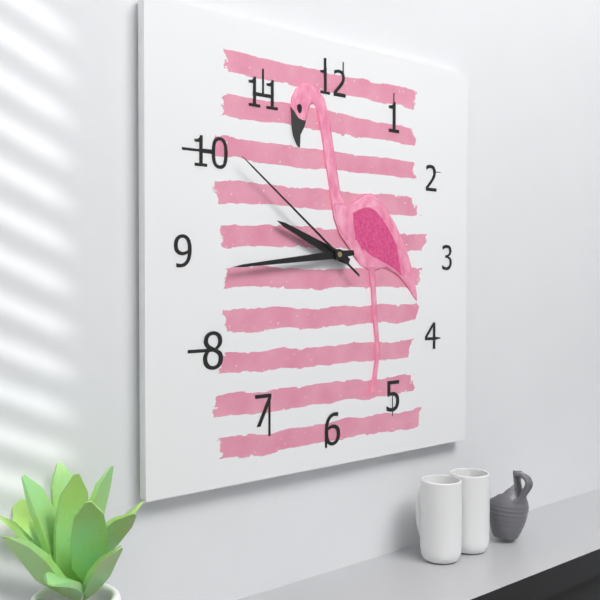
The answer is {"hour": 9, "minute": 44, "second": 51}
